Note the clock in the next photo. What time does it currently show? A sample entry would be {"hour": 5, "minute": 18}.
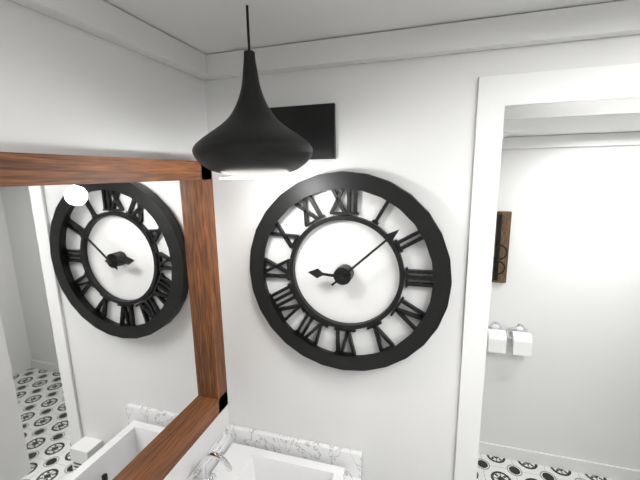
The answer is {"hour": 9, "minute": 8}
